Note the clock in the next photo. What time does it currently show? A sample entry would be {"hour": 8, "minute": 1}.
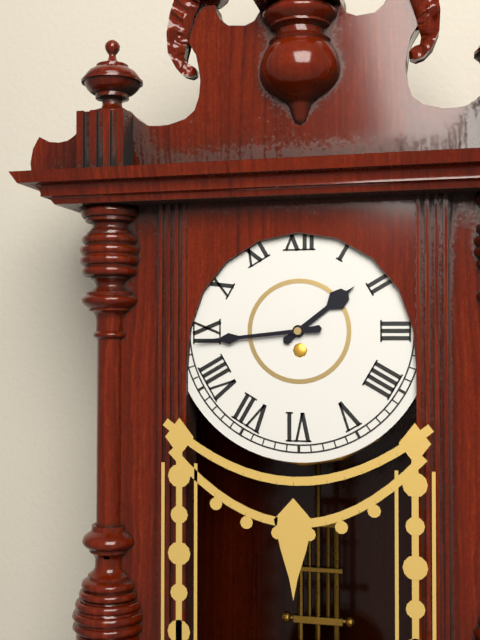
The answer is {"hour": 1, "minute": 44}
